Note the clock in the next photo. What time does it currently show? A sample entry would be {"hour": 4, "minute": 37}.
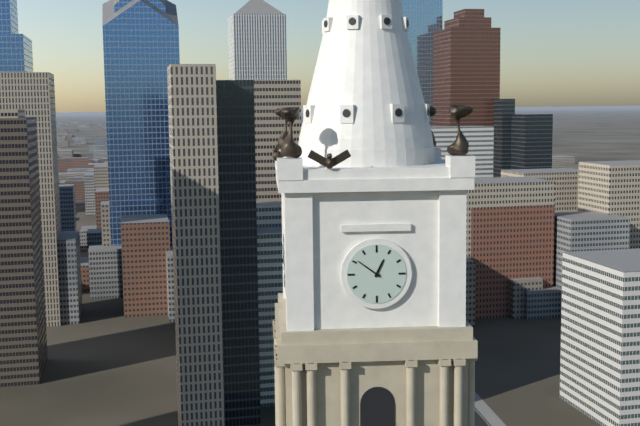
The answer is {"hour": 12, "minute": 51}
